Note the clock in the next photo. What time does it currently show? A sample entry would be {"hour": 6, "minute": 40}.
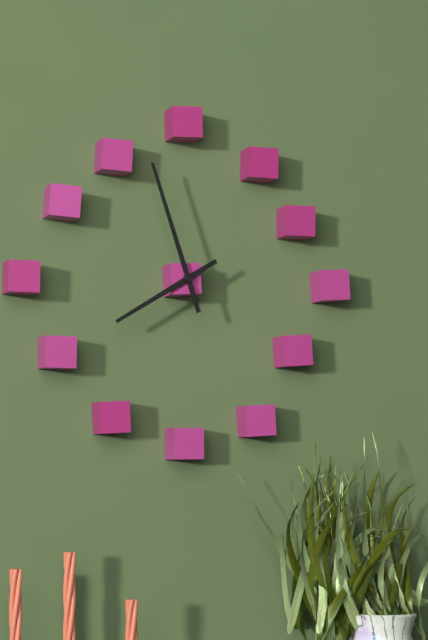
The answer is {"hour": 7, "minute": 57}
